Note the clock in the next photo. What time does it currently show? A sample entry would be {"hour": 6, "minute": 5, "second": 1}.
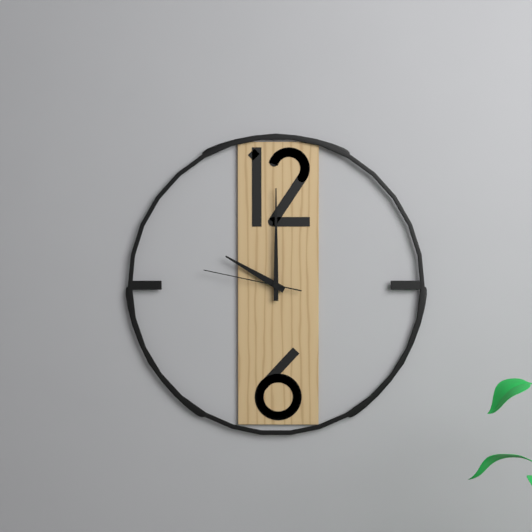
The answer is {"hour": 10, "minute": 0, "second": 47}
